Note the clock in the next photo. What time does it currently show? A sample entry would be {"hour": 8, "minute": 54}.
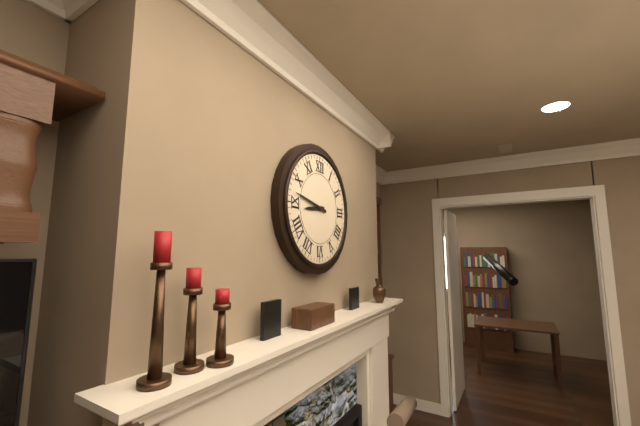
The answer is {"hour": 8, "minute": 47}
